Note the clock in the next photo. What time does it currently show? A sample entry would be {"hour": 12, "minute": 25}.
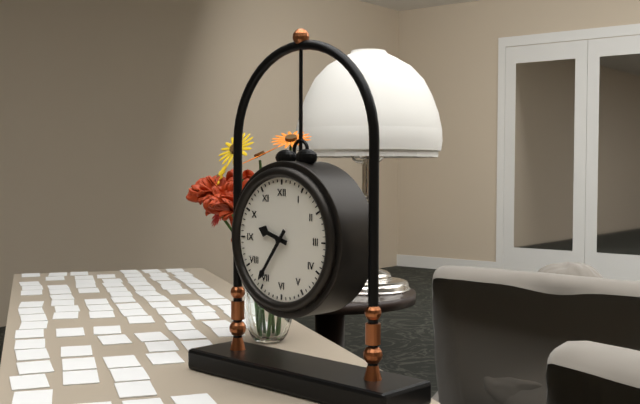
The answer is {"hour": 9, "minute": 36}
